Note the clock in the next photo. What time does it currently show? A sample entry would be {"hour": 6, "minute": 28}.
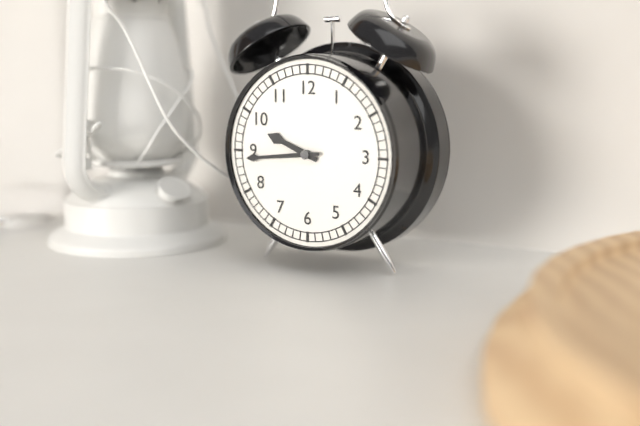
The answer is {"hour": 9, "minute": 44}
